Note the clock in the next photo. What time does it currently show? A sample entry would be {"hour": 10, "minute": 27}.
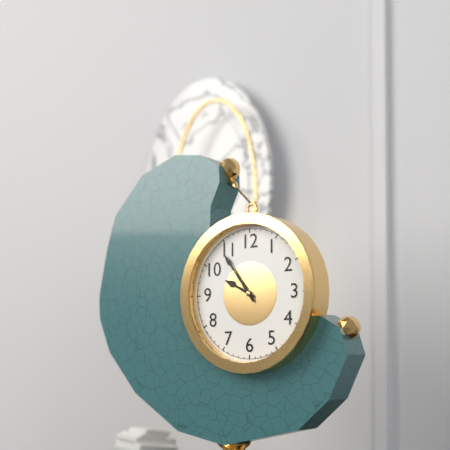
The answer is {"hour": 9, "minute": 54}
